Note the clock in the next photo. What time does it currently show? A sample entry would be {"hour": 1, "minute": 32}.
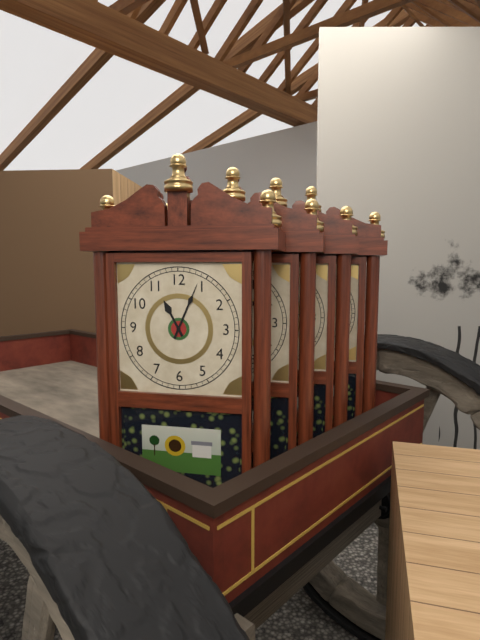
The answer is {"hour": 11, "minute": 4}
